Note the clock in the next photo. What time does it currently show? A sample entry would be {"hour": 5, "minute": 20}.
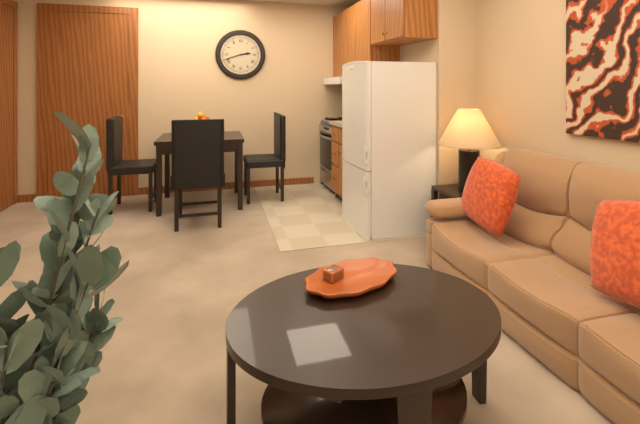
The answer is {"hour": 2, "minute": 42}
